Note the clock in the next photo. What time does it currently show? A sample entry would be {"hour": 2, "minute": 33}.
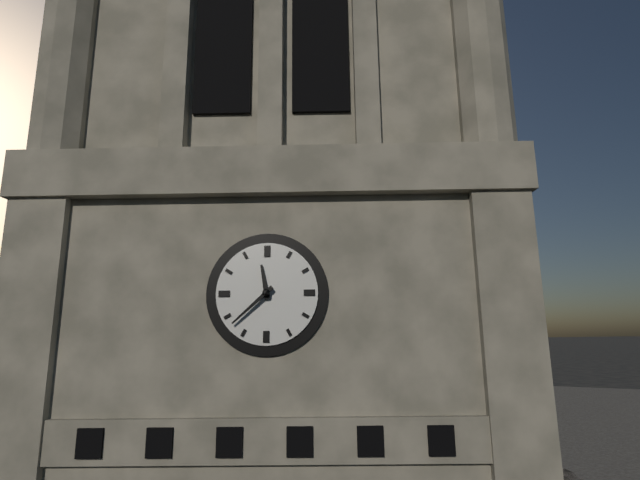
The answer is {"hour": 11, "minute": 38}
